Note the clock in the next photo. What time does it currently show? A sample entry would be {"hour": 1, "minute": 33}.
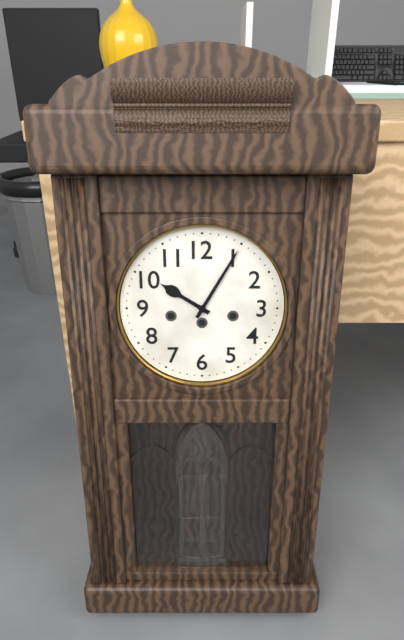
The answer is {"hour": 10, "minute": 5}
